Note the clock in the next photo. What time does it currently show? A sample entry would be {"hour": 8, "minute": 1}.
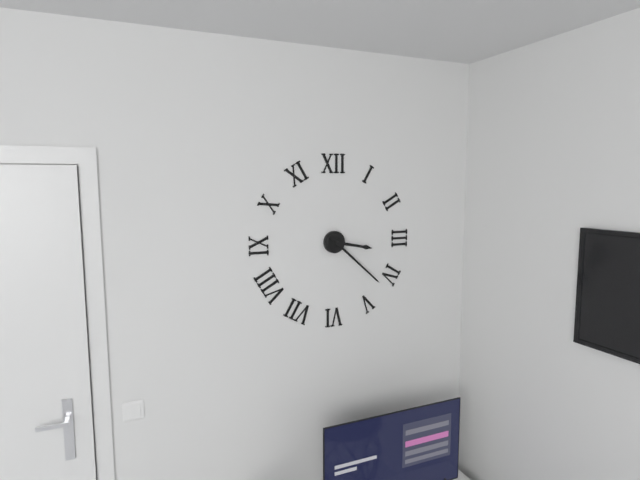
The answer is {"hour": 3, "minute": 22}
